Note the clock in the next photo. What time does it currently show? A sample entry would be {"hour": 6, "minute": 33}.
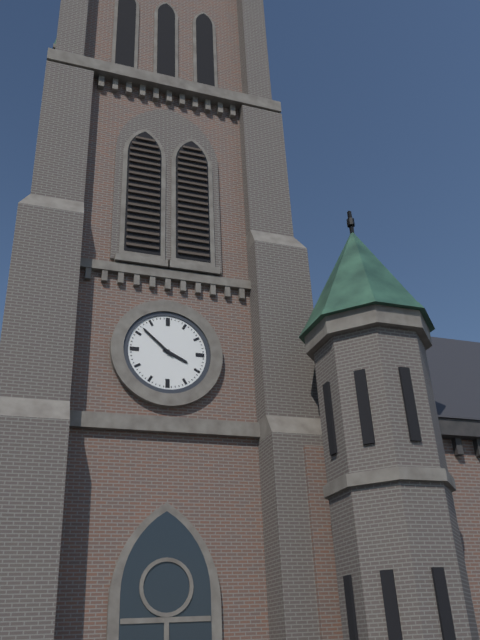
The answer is {"hour": 3, "minute": 52}
